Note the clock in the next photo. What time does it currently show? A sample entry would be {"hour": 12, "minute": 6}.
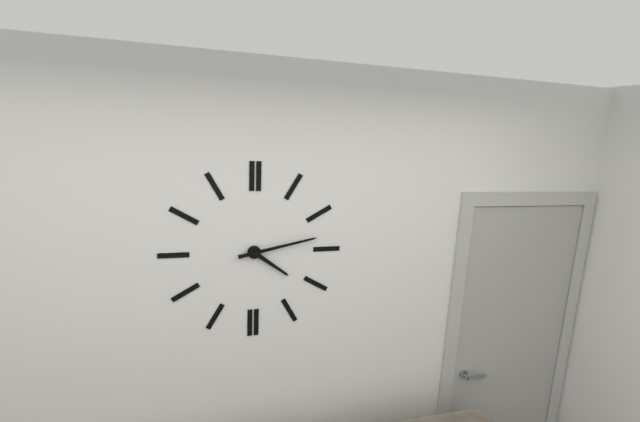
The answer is {"hour": 4, "minute": 13}
